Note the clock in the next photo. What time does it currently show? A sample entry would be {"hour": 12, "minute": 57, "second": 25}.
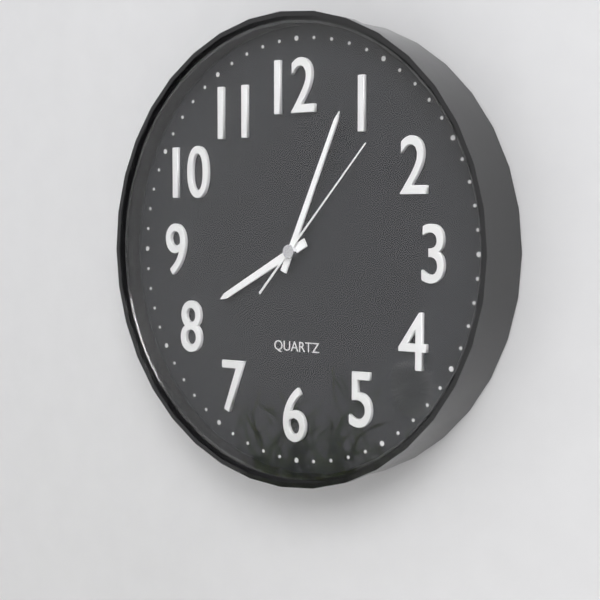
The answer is {"hour": 8, "minute": 4, "second": 7}
